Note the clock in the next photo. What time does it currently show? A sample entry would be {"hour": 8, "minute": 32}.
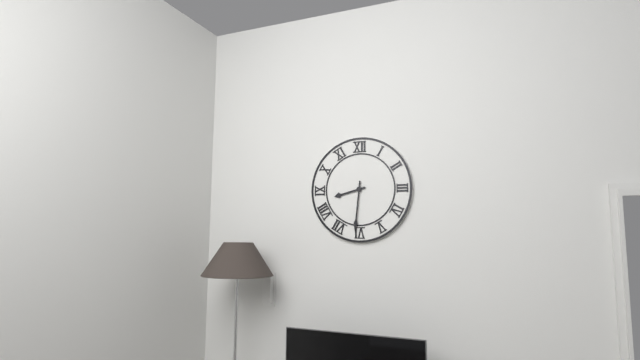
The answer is {"hour": 8, "minute": 31}
